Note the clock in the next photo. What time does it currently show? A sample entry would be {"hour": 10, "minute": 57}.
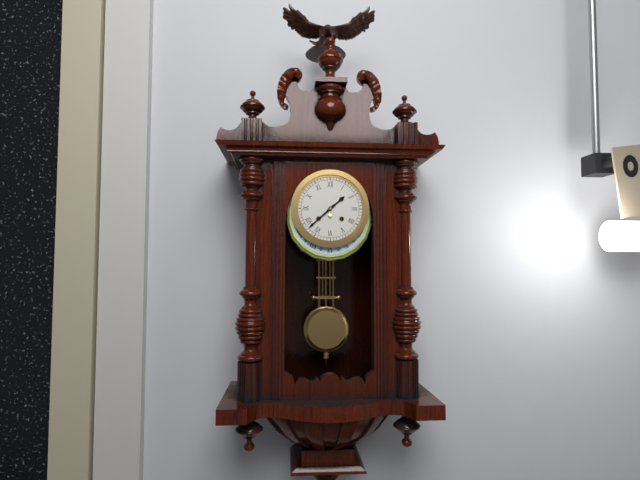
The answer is {"hour": 1, "minute": 38}
